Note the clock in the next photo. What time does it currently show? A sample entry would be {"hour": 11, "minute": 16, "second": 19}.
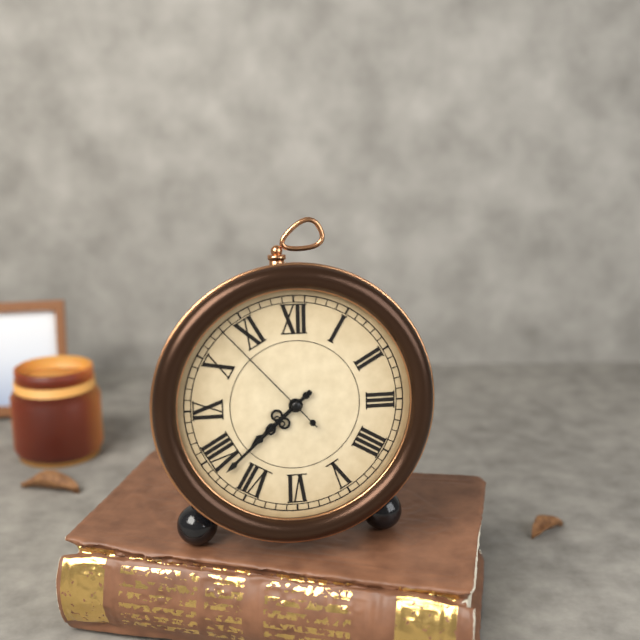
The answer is {"hour": 7, "minute": 38, "second": 53}
